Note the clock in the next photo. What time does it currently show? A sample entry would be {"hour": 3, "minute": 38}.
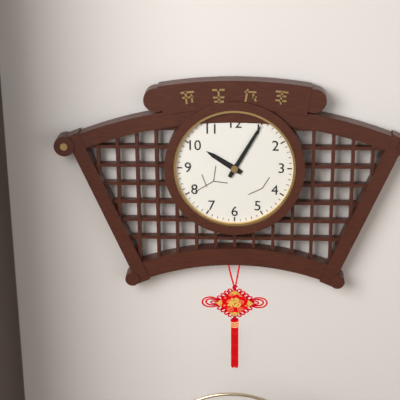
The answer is {"hour": 10, "minute": 5}
